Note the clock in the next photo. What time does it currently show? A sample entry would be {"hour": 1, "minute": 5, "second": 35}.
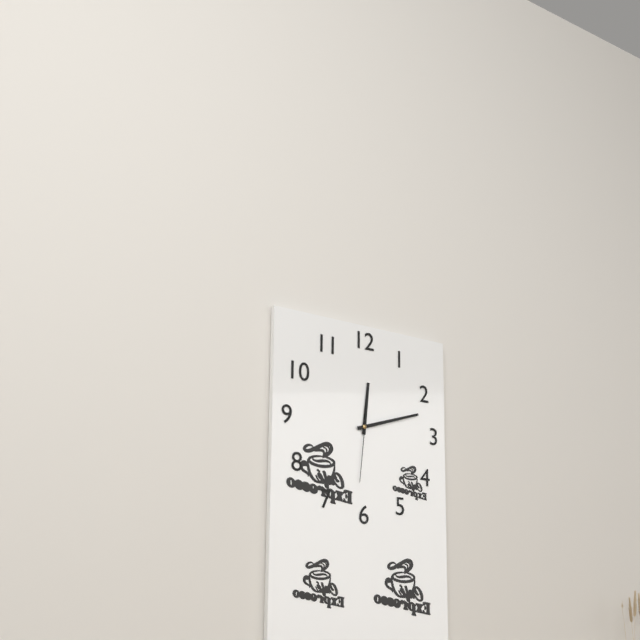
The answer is {"hour": 12, "minute": 12, "second": 31}
